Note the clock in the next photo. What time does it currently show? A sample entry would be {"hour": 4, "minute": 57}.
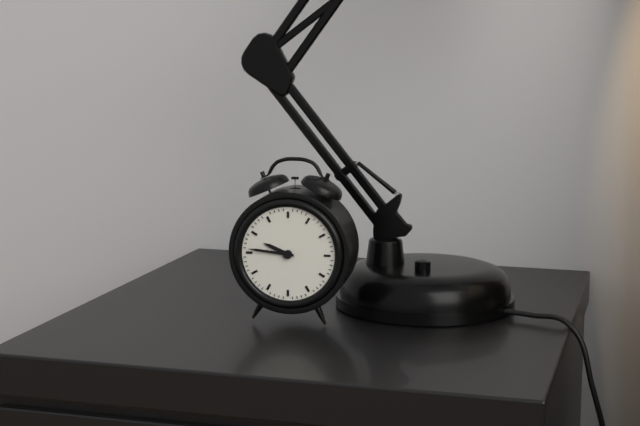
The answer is {"hour": 9, "minute": 46}
